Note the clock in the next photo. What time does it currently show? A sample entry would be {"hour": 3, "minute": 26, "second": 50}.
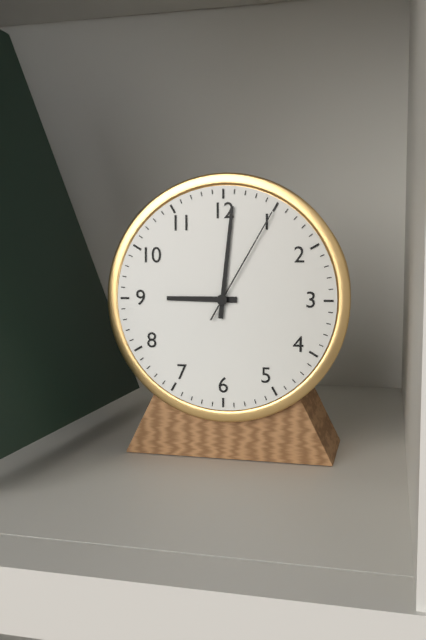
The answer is {"hour": 9, "minute": 1, "second": 5}
